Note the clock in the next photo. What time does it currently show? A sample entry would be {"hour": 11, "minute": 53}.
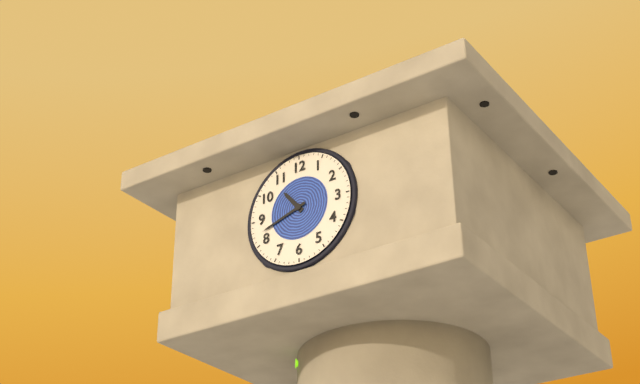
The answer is {"hour": 10, "minute": 42}
